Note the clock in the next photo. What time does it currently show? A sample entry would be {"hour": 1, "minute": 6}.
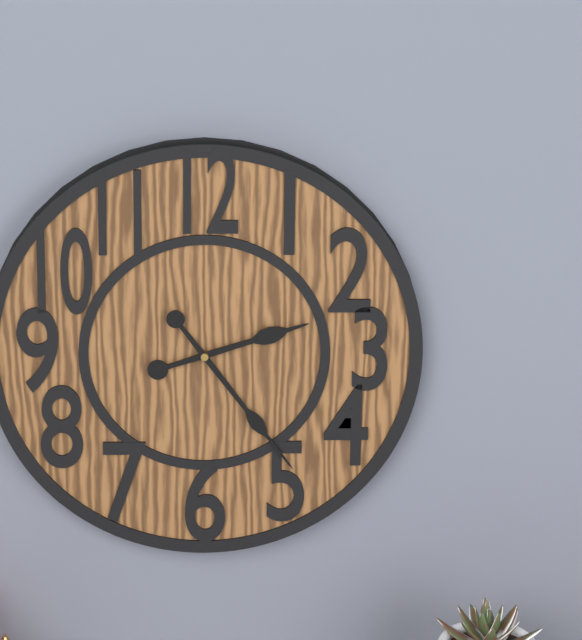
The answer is {"hour": 2, "minute": 24}
